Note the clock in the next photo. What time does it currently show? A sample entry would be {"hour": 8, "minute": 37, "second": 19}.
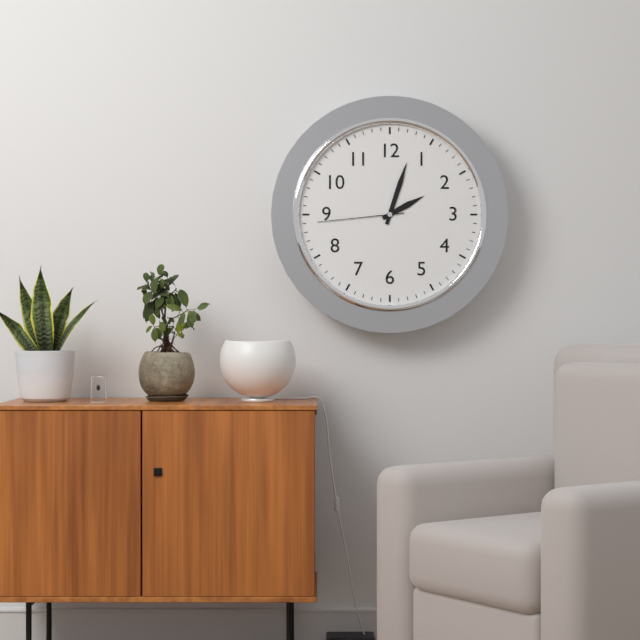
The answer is {"hour": 2, "minute": 3, "second": 44}
